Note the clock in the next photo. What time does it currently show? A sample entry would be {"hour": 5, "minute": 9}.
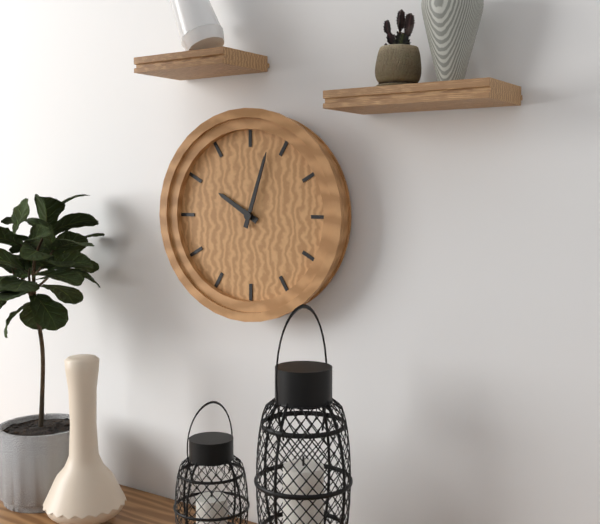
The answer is {"hour": 10, "minute": 3}
